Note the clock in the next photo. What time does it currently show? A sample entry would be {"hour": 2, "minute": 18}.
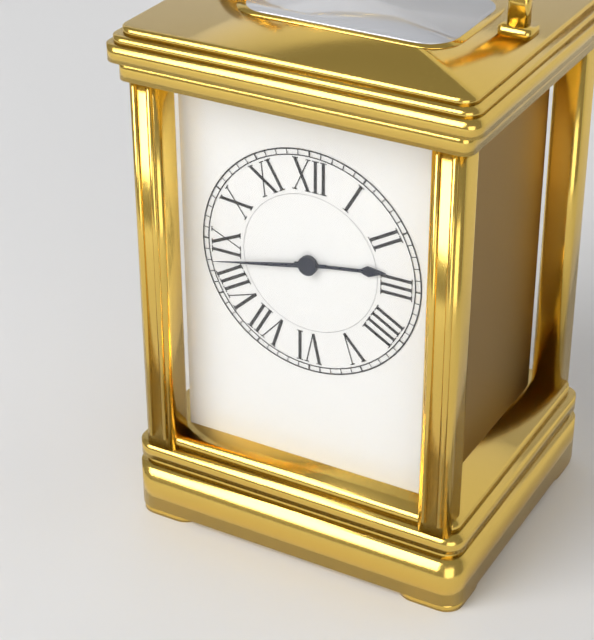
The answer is {"hour": 2, "minute": 43}
